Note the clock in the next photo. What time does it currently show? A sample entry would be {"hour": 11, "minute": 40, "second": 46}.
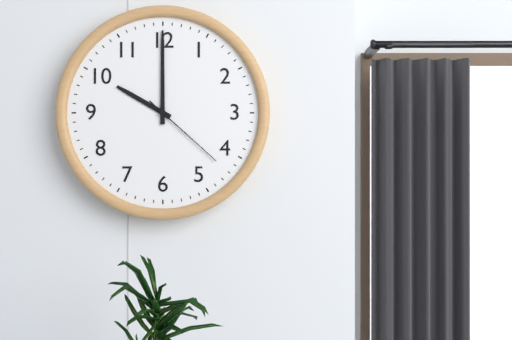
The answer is {"hour": 10, "minute": 0, "second": 22}
